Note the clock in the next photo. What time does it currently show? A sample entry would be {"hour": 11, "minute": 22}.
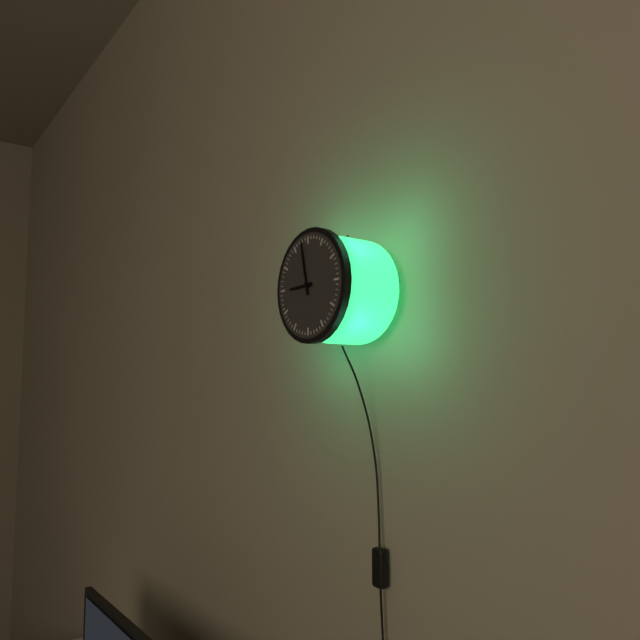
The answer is {"hour": 8, "minute": 58}
